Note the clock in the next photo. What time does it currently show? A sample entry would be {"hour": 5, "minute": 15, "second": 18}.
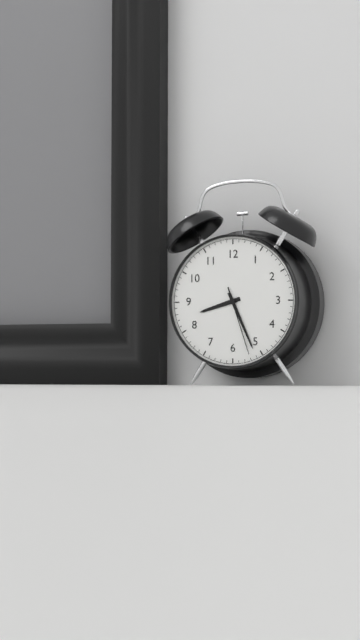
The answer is {"hour": 8, "minute": 26, "second": 27}
